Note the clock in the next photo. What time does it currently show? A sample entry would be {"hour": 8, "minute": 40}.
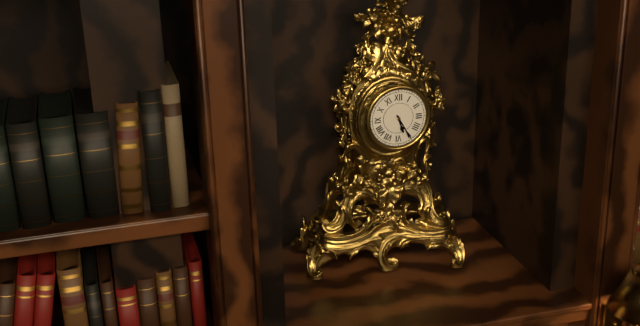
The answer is {"hour": 5, "minute": 25}
